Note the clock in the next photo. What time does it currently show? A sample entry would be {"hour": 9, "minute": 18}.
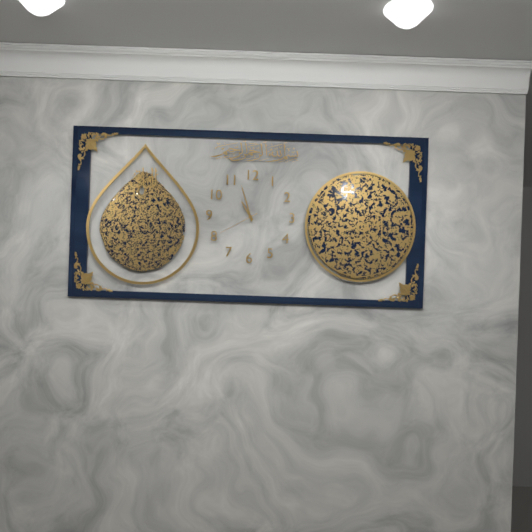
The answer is {"hour": 10, "minute": 57}
